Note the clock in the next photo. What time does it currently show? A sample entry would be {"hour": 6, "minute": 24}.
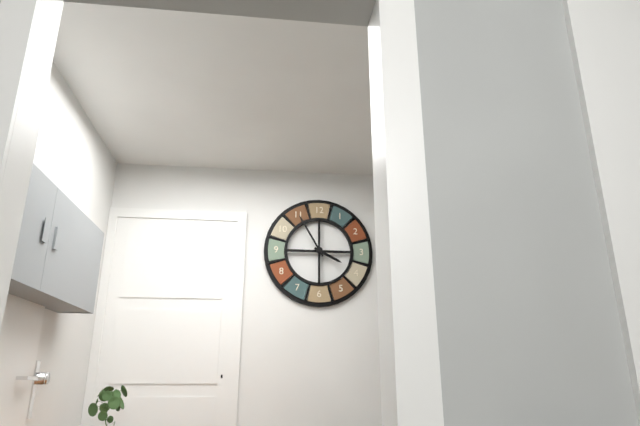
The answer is {"hour": 3, "minute": 55}
